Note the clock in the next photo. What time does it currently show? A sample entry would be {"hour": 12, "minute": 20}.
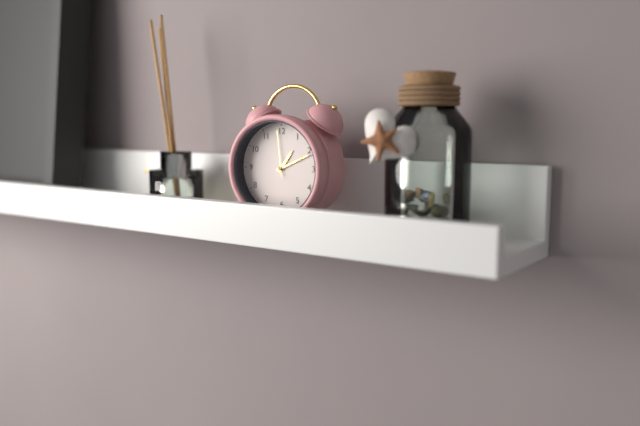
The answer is {"hour": 1, "minute": 11}
